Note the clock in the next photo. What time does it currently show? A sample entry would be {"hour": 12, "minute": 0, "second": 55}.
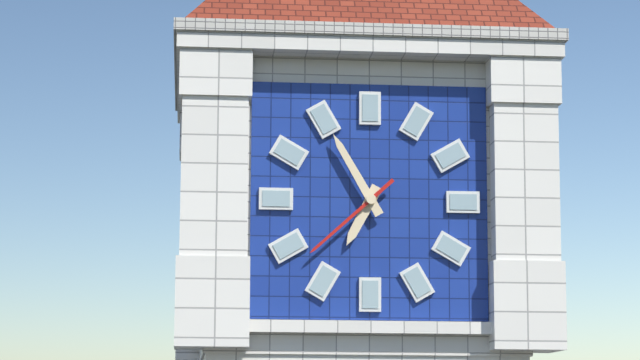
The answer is {"hour": 6, "minute": 55, "second": 38}
